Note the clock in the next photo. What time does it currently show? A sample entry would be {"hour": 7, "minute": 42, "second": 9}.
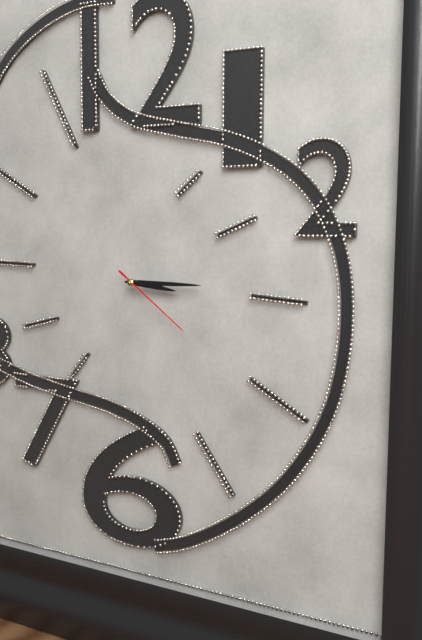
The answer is {"hour": 3, "minute": 15, "second": 21}
